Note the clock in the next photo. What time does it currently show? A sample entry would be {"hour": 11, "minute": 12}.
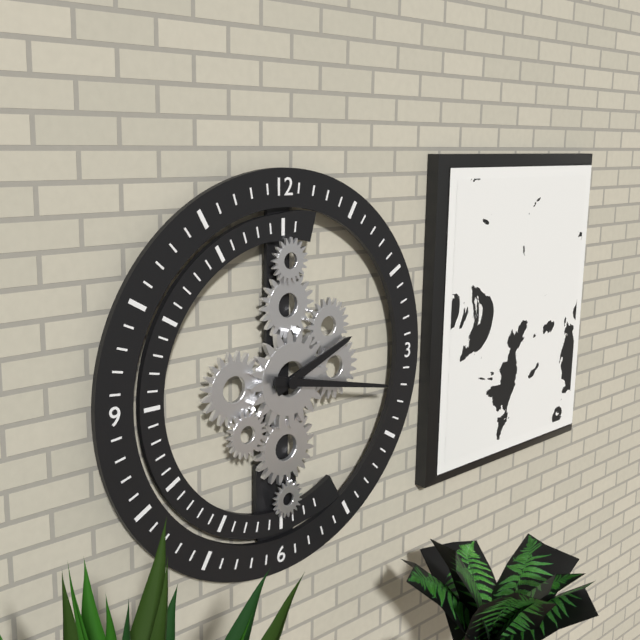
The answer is {"hour": 2, "minute": 17}
